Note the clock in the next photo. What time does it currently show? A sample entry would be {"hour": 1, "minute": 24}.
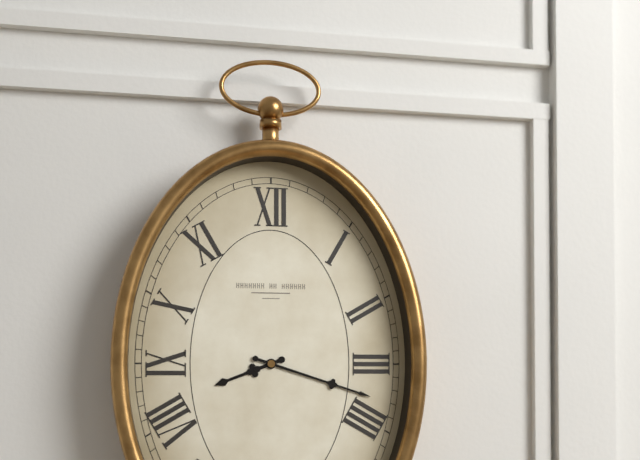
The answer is {"hour": 8, "minute": 18}
